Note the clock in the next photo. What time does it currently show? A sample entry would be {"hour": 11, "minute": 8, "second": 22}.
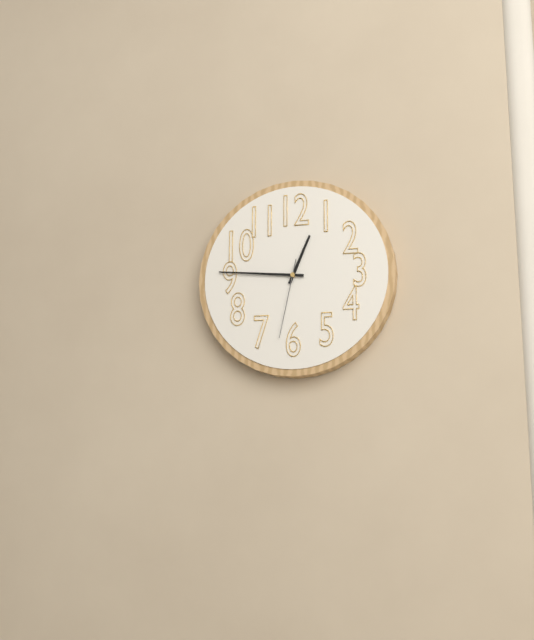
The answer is {"hour": 12, "minute": 46, "second": 32}
